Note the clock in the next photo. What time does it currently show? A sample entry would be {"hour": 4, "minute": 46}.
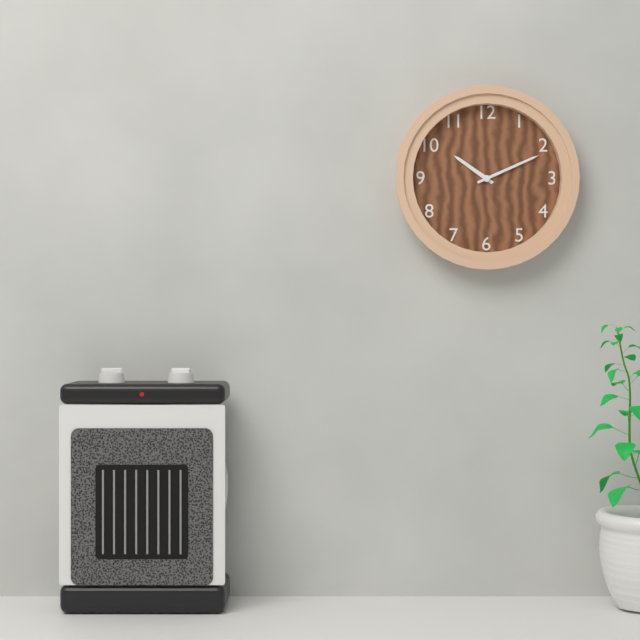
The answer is {"hour": 10, "minute": 11}
